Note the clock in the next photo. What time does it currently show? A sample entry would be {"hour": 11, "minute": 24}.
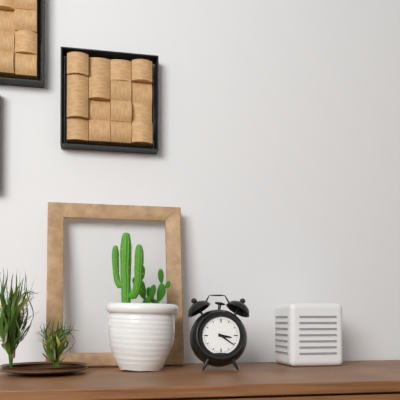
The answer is {"hour": 3, "minute": 21}
